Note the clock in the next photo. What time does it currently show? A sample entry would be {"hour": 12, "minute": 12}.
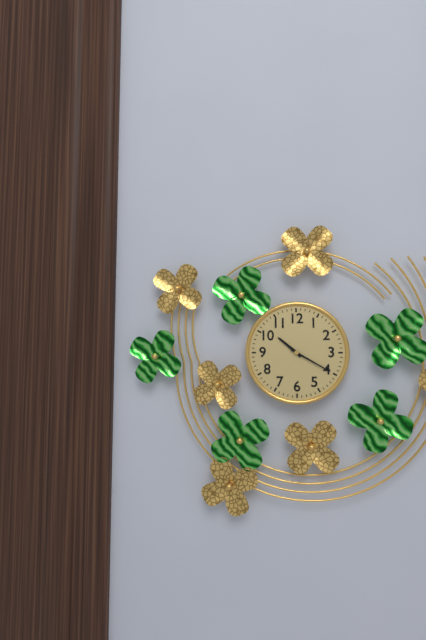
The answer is {"hour": 10, "minute": 20}
